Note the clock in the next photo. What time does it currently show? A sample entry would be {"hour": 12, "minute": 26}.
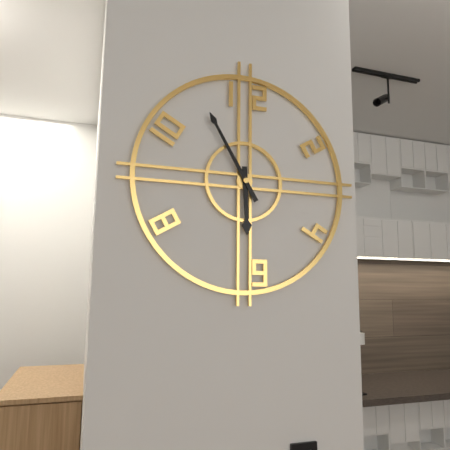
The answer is {"hour": 5, "minute": 55}
